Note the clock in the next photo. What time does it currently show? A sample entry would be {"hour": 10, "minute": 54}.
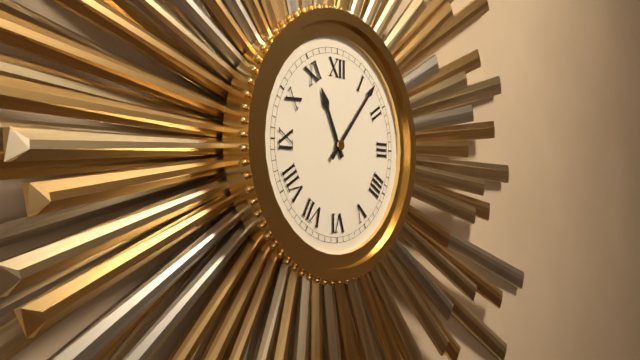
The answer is {"hour": 11, "minute": 7}
